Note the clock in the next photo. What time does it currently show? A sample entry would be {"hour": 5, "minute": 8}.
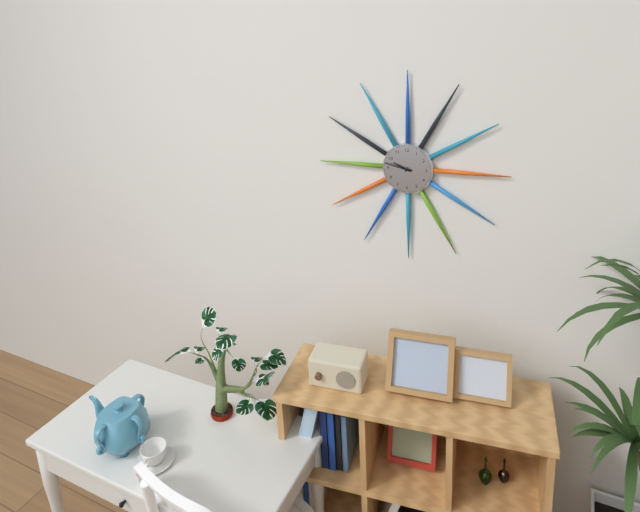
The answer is {"hour": 9, "minute": 47}
